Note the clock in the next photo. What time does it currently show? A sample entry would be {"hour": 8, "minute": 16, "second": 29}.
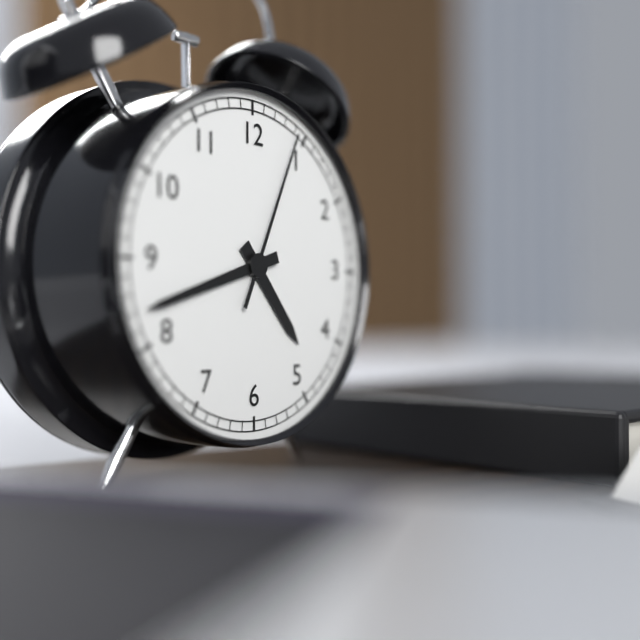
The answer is {"hour": 4, "minute": 42, "second": 4}
